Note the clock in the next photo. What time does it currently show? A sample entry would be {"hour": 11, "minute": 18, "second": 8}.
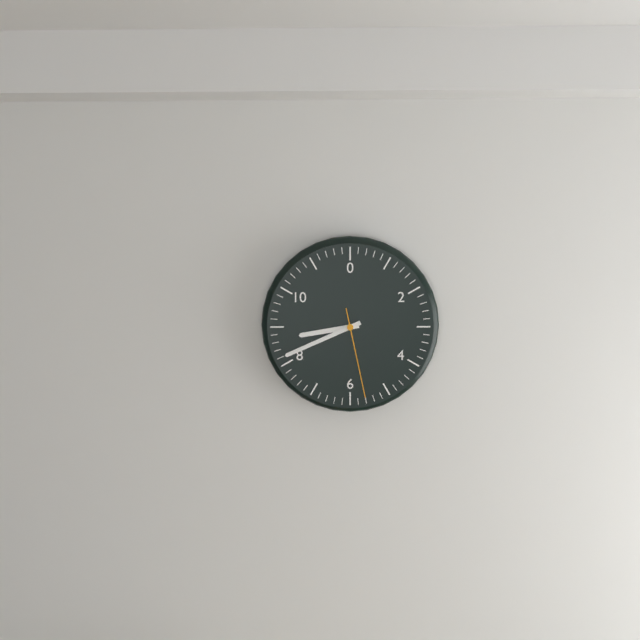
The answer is {"hour": 8, "minute": 41, "second": 28}
